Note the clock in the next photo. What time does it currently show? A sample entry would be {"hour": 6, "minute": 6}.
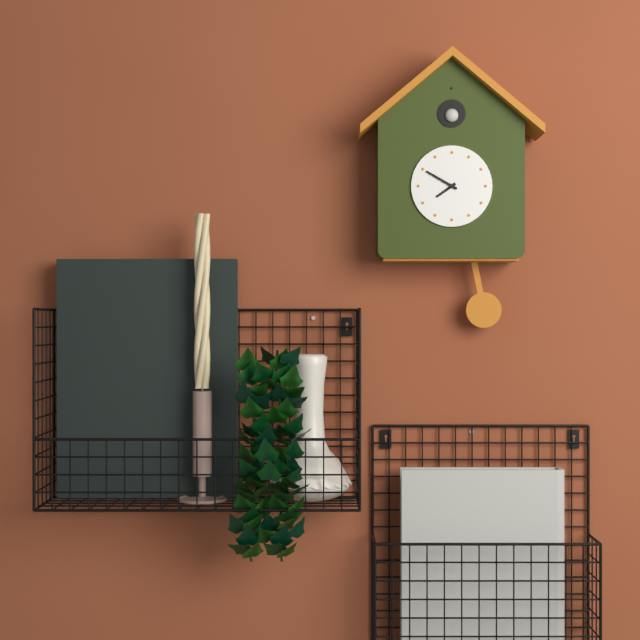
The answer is {"hour": 7, "minute": 50}
